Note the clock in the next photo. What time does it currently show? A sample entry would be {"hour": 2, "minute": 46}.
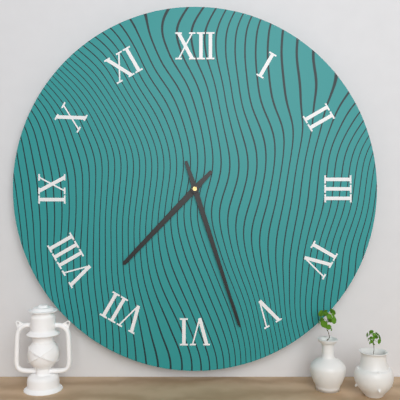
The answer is {"hour": 7, "minute": 27}
